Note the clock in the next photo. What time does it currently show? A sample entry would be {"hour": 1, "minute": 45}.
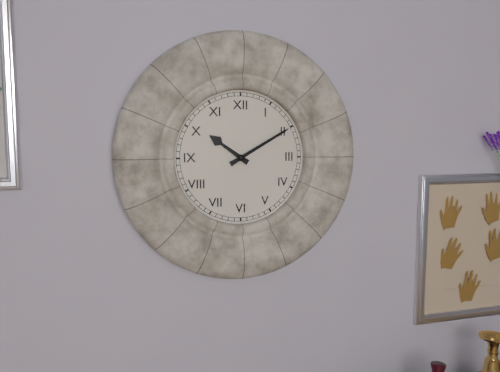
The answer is {"hour": 10, "minute": 10}
